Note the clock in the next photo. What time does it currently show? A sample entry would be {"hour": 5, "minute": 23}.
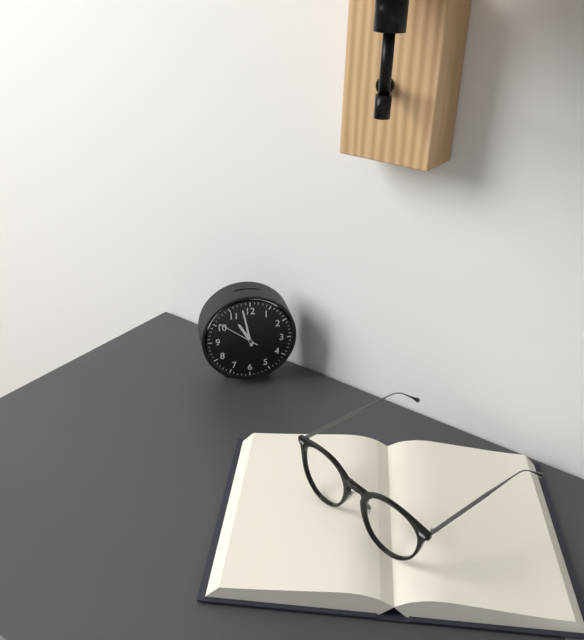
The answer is {"hour": 10, "minute": 58}
